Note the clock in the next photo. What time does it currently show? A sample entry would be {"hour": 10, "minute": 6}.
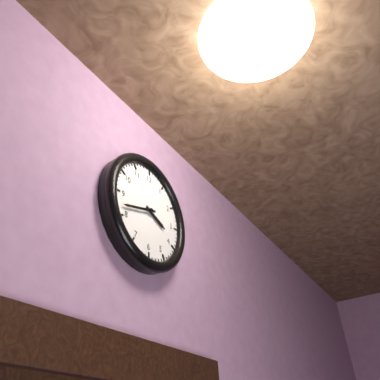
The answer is {"hour": 3, "minute": 42}
